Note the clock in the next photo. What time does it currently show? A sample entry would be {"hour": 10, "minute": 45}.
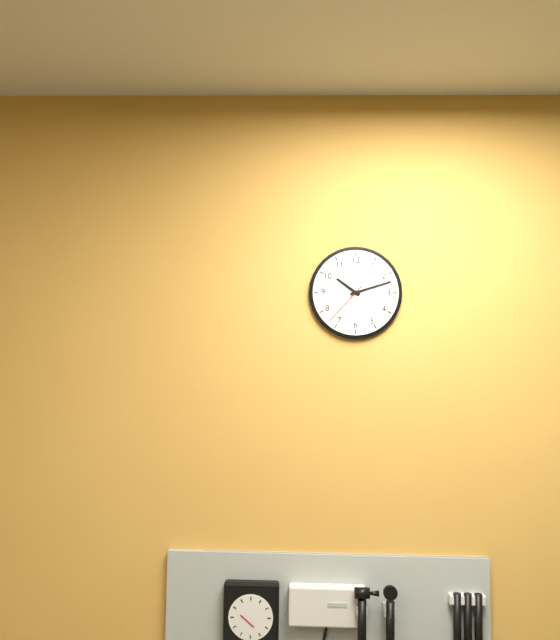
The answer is {"hour": 10, "minute": 12}
